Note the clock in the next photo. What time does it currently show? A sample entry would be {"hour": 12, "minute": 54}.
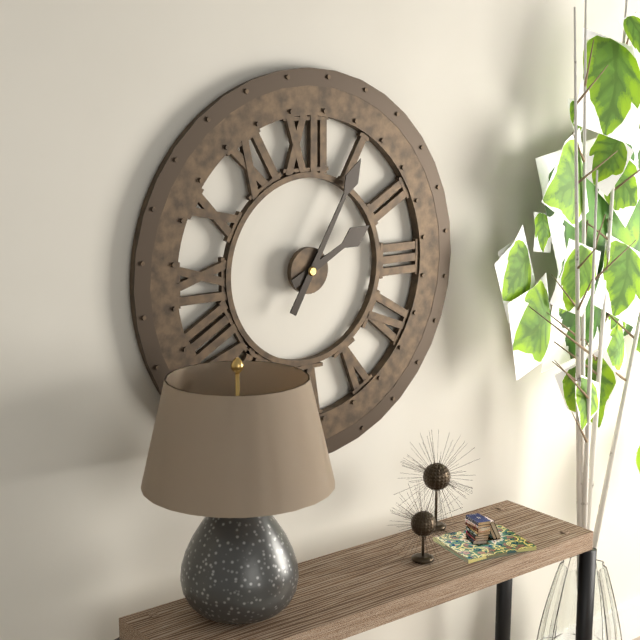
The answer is {"hour": 2, "minute": 5}
